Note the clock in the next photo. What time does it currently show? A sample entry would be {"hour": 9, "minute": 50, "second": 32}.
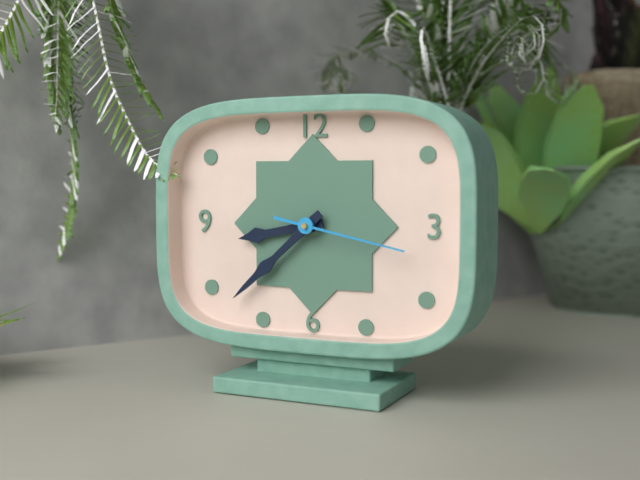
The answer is {"hour": 8, "minute": 38, "second": 17}
